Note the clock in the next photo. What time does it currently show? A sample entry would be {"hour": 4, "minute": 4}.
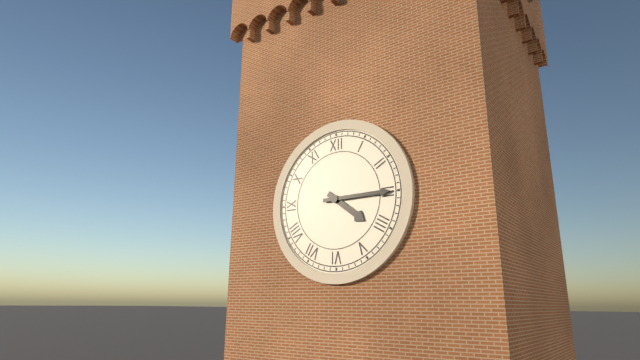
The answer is {"hour": 4, "minute": 15}
